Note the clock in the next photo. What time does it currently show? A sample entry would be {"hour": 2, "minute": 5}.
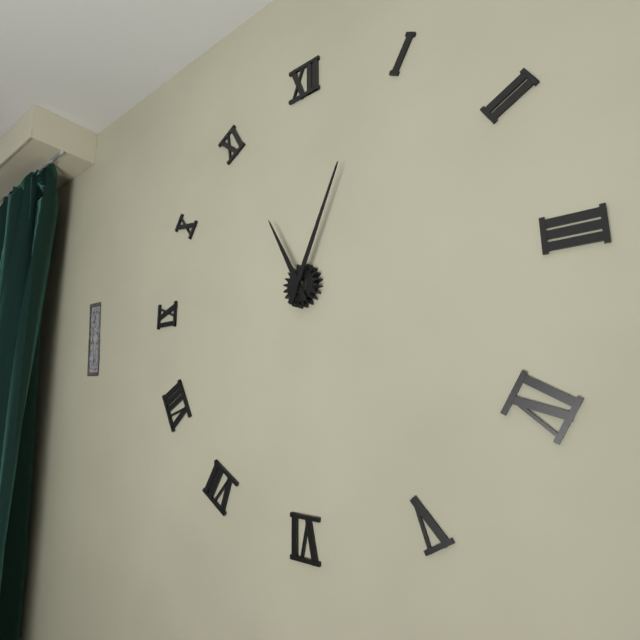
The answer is {"hour": 11, "minute": 4}
